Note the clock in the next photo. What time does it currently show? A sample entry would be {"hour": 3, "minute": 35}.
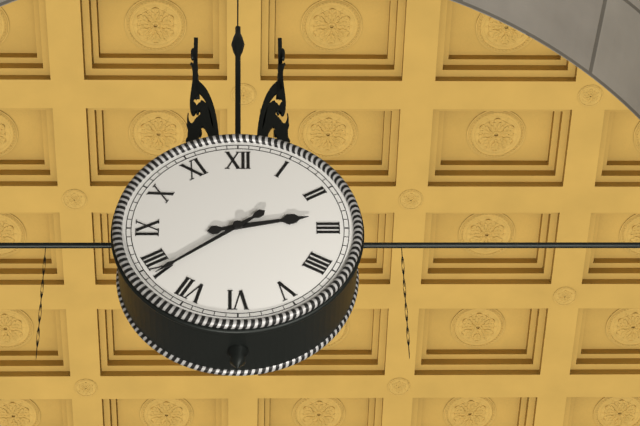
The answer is {"hour": 2, "minute": 39}
